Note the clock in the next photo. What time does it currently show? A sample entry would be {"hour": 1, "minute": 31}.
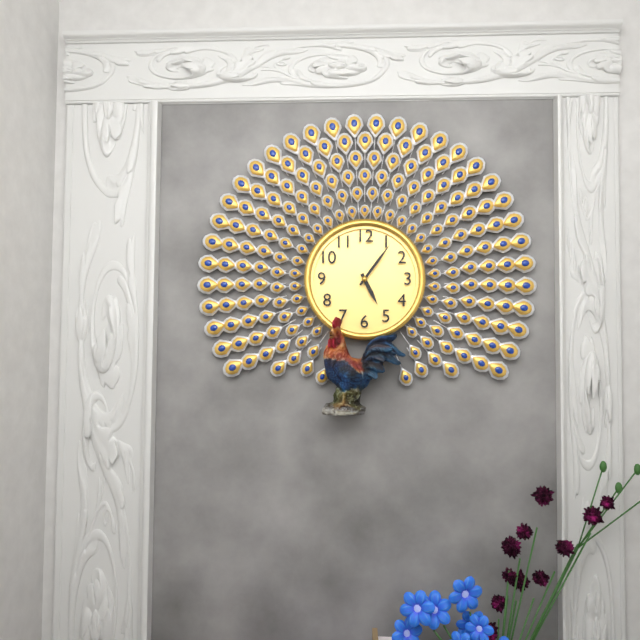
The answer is {"hour": 5, "minute": 6}
